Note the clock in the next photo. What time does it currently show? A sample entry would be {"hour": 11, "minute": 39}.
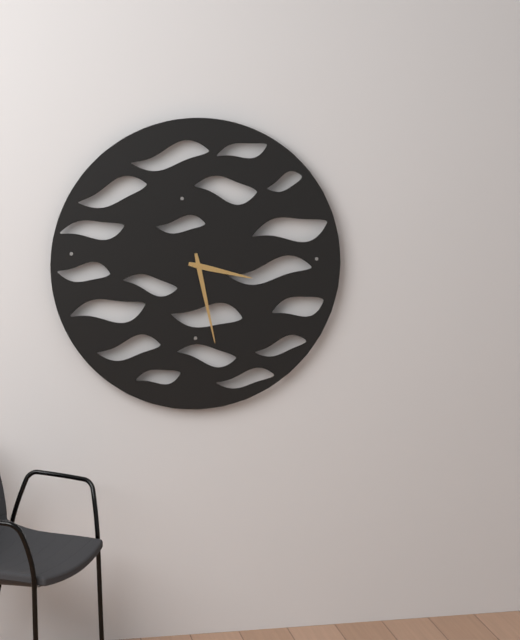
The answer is {"hour": 3, "minute": 28}
